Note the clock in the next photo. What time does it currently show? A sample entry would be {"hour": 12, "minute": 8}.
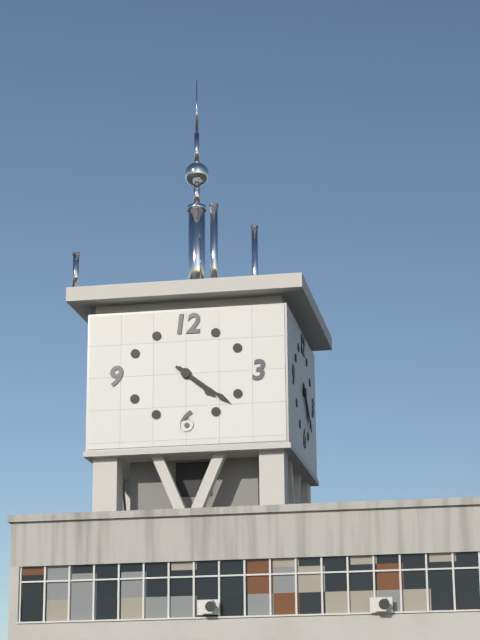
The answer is {"hour": 4, "minute": 21}
